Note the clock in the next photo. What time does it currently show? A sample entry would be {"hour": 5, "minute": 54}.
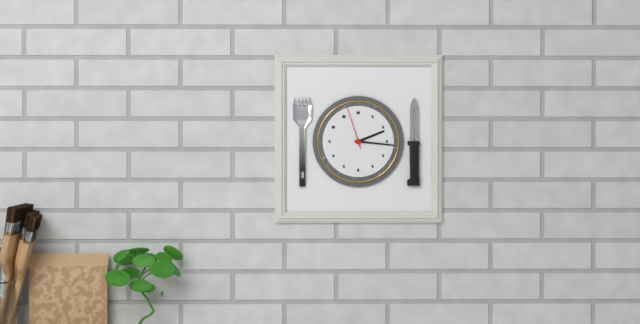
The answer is {"hour": 2, "minute": 16}
